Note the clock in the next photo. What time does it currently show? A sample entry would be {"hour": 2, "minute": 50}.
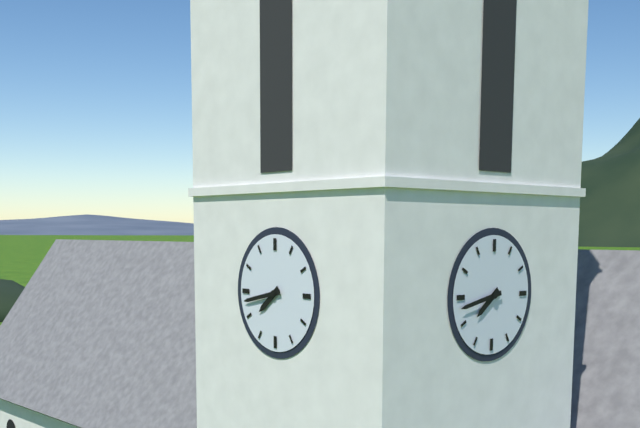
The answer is {"hour": 7, "minute": 43}
